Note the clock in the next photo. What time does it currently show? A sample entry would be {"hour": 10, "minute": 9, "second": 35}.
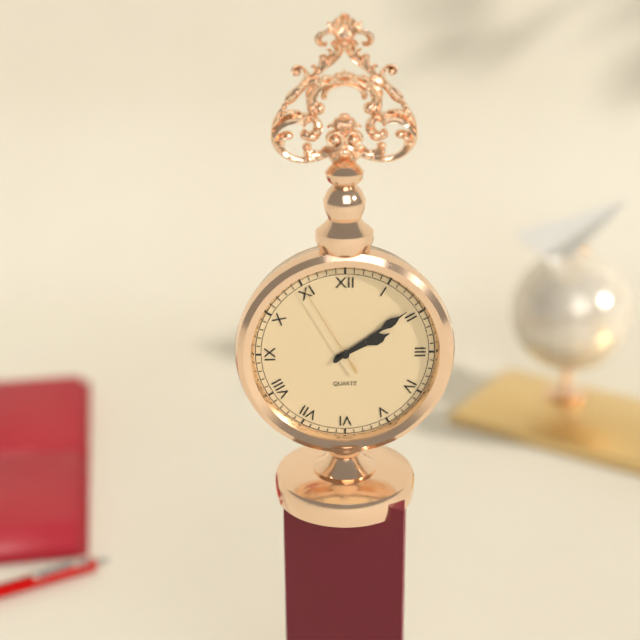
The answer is {"hour": 2, "minute": 9, "second": 55}
